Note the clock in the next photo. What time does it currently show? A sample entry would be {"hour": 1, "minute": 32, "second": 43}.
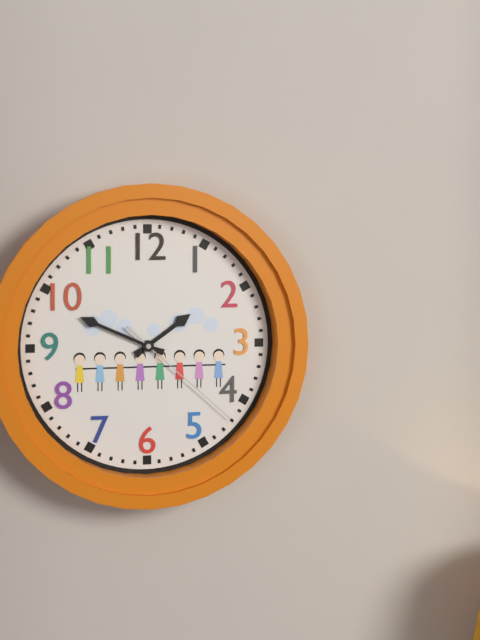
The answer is {"hour": 1, "minute": 49, "second": 22}
